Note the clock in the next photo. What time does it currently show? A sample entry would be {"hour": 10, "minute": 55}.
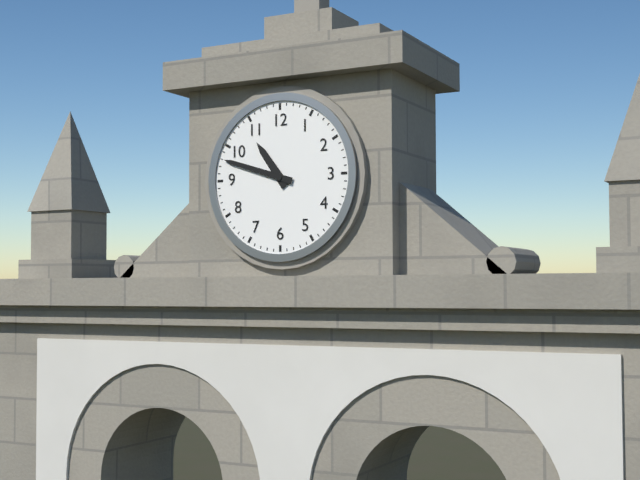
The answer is {"hour": 10, "minute": 48}
